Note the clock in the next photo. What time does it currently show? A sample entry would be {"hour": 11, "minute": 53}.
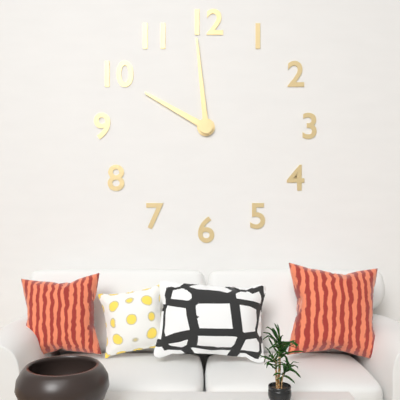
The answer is {"hour": 9, "minute": 59}
